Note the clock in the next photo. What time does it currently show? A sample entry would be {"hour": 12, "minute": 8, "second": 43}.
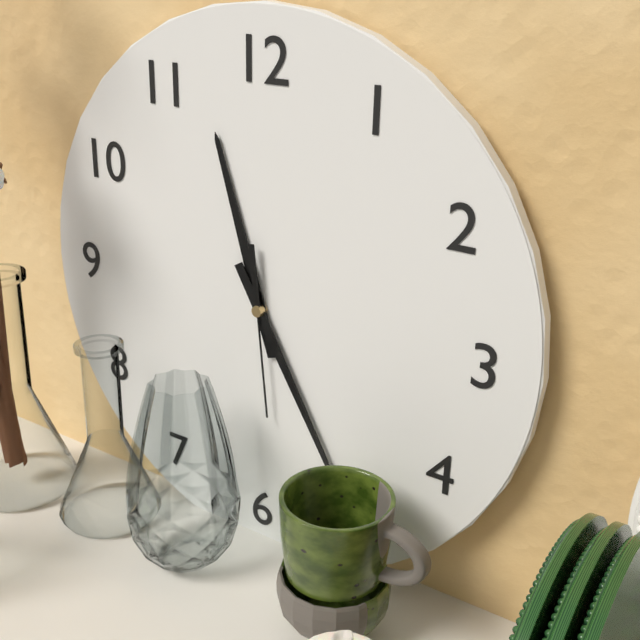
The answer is {"hour": 11, "minute": 25, "second": 29}
